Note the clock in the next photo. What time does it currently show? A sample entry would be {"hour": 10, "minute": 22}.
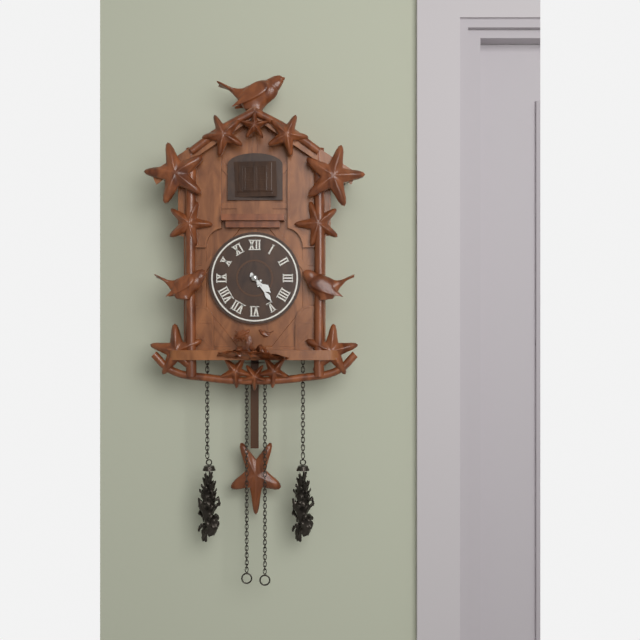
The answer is {"hour": 4, "minute": 24}
